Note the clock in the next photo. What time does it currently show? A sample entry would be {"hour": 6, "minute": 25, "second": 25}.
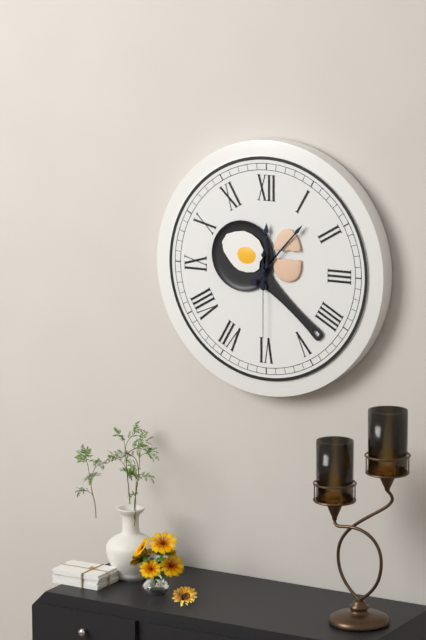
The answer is {"hour": 12, "minute": 7, "second": 30}
